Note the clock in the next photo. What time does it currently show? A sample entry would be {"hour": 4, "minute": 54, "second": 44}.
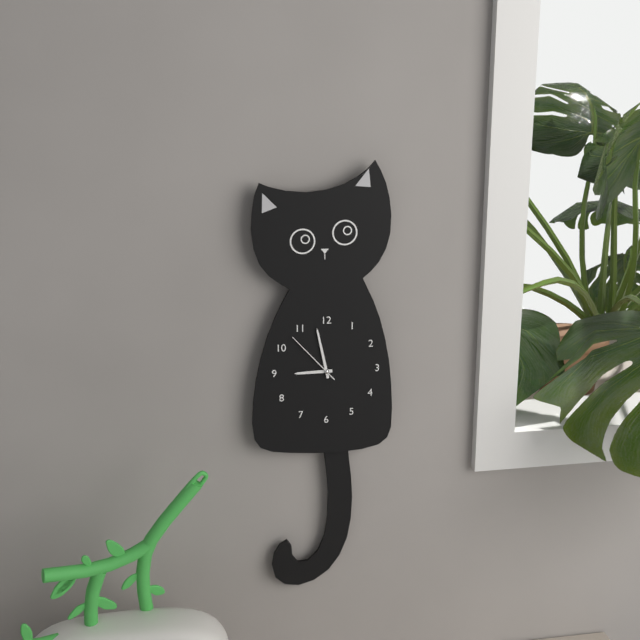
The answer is {"hour": 8, "minute": 58, "second": 53}
